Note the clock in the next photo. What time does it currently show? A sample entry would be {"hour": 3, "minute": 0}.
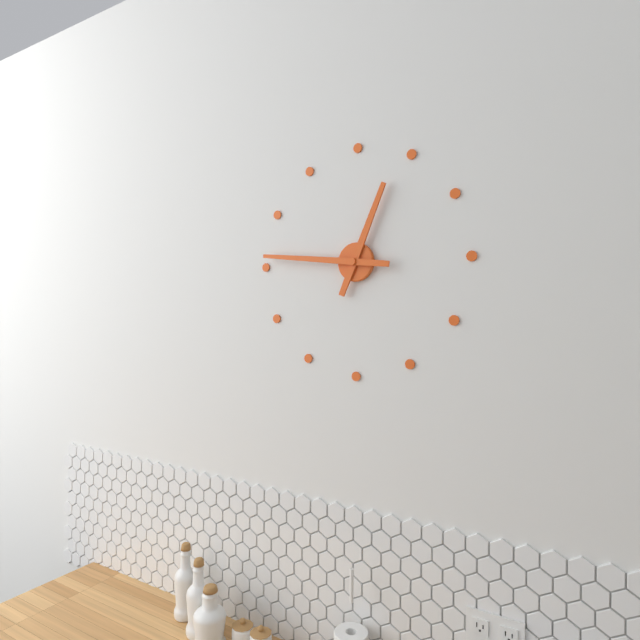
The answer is {"hour": 12, "minute": 46}
